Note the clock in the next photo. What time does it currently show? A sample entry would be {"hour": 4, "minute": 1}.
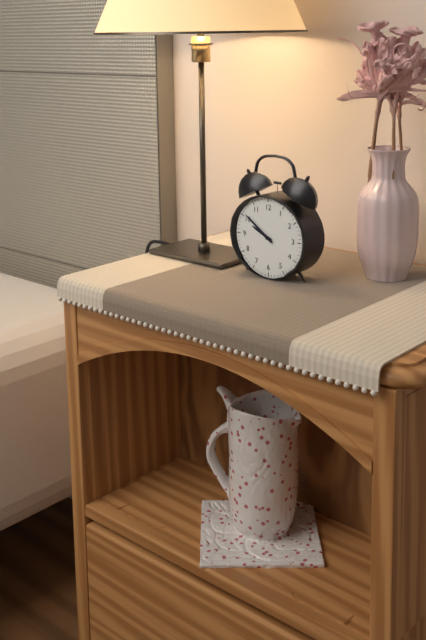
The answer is {"hour": 9, "minute": 51}
